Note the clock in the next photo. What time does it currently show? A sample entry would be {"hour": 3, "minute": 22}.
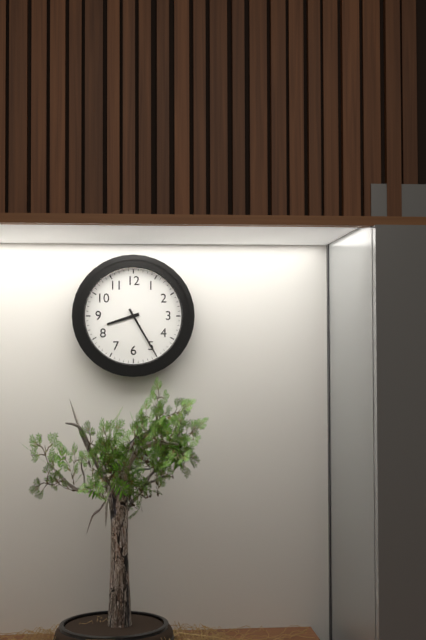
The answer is {"hour": 8, "minute": 25}
